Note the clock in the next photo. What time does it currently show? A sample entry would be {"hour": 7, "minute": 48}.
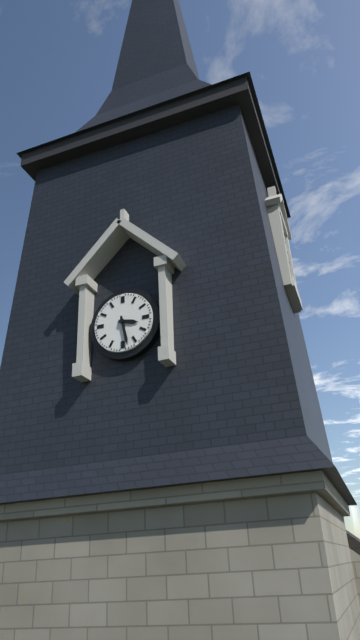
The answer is {"hour": 3, "minute": 28}
